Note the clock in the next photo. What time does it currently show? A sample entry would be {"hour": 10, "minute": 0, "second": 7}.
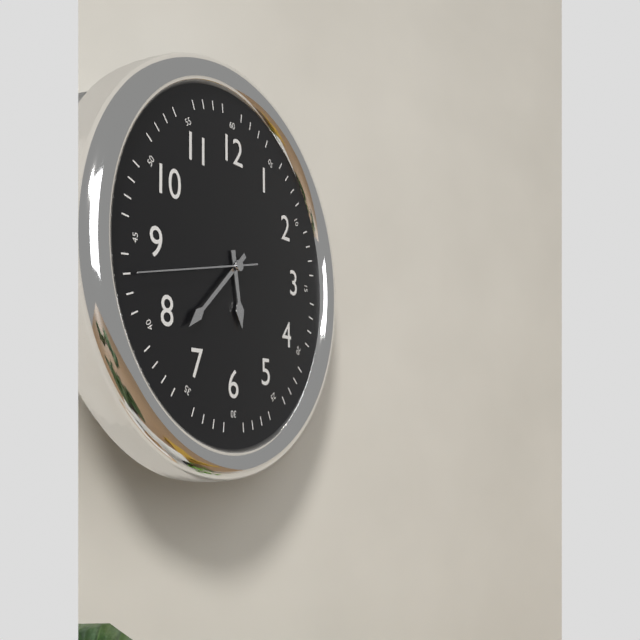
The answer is {"hour": 5, "minute": 38, "second": 43}
